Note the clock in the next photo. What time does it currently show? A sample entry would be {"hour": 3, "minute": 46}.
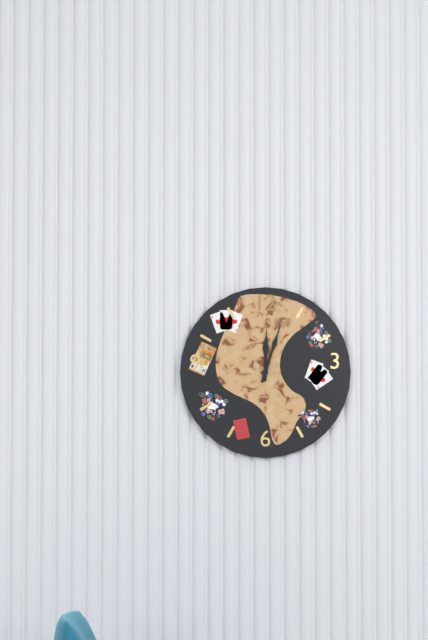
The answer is {"hour": 12, "minute": 3}
